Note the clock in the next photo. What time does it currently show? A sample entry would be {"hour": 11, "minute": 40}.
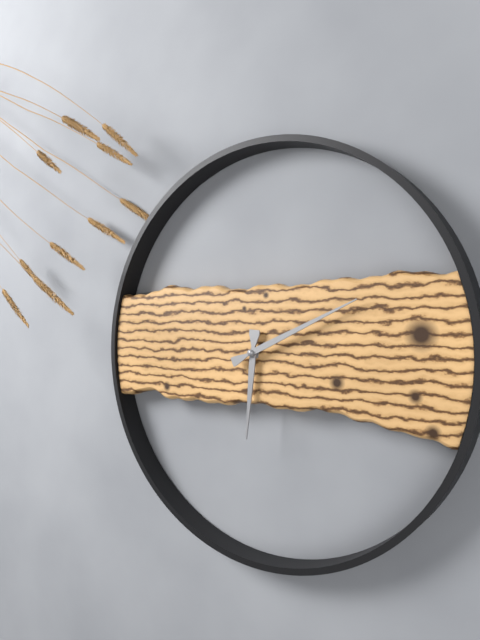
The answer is {"hour": 6, "minute": 11}
